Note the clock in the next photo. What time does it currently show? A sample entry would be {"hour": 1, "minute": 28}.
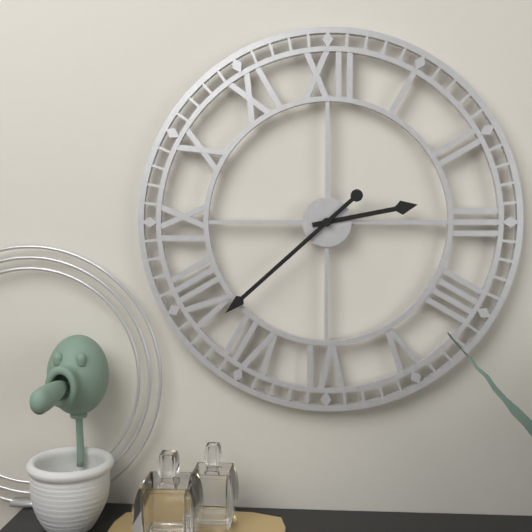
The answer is {"hour": 2, "minute": 38}
